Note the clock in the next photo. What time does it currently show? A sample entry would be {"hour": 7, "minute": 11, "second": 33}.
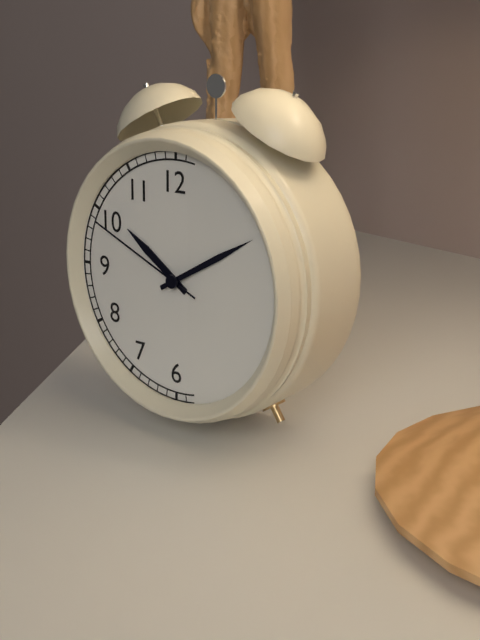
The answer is {"hour": 10, "minute": 10, "second": 49}
